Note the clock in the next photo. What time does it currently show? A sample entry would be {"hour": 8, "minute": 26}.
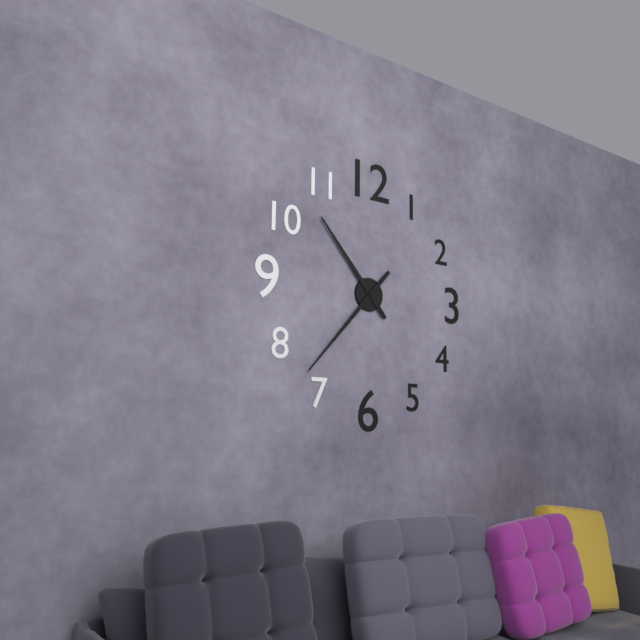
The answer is {"hour": 10, "minute": 37}
